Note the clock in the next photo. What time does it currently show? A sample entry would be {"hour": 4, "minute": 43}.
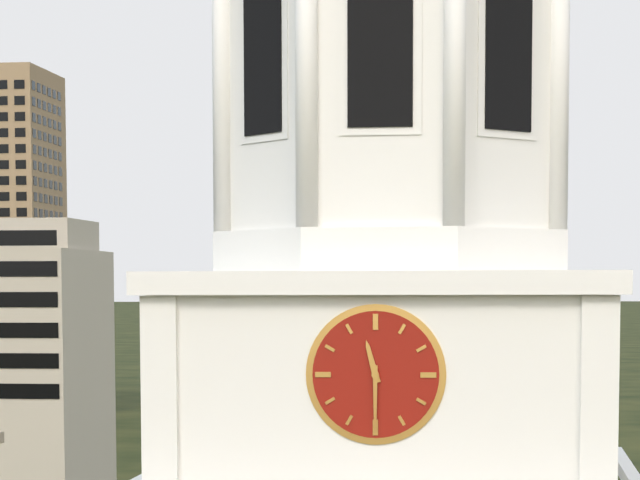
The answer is {"hour": 11, "minute": 30}
